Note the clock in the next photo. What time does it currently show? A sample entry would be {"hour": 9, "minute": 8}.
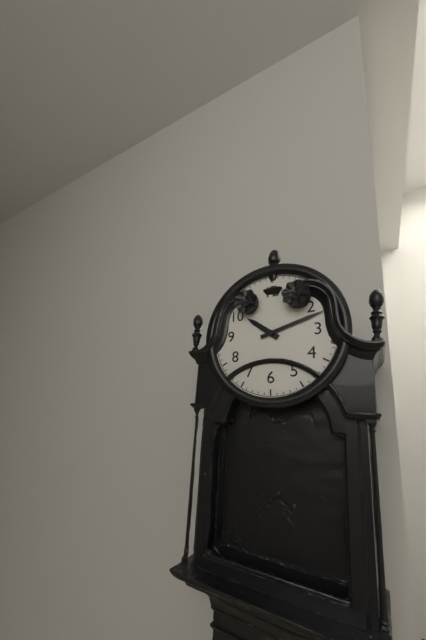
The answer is {"hour": 10, "minute": 12}
